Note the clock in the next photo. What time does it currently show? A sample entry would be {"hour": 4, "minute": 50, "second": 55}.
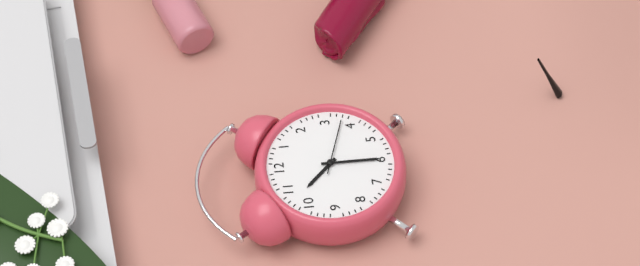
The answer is {"hour": 10, "minute": 30, "second": 18}
